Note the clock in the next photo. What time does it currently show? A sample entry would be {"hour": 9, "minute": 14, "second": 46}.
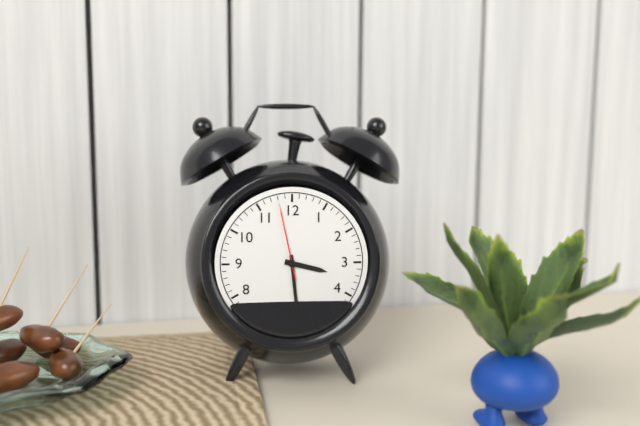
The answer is {"hour": 3, "minute": 29, "second": 58}
